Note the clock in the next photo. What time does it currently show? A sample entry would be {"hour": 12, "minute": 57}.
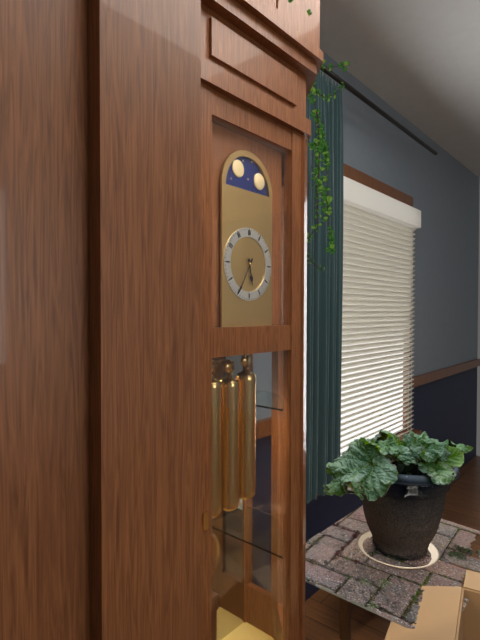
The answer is {"hour": 5, "minute": 35}
